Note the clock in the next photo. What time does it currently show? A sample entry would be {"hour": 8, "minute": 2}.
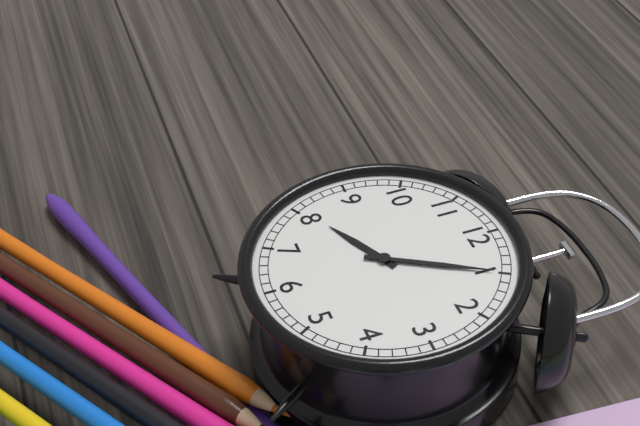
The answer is {"hour": 8, "minute": 5}
